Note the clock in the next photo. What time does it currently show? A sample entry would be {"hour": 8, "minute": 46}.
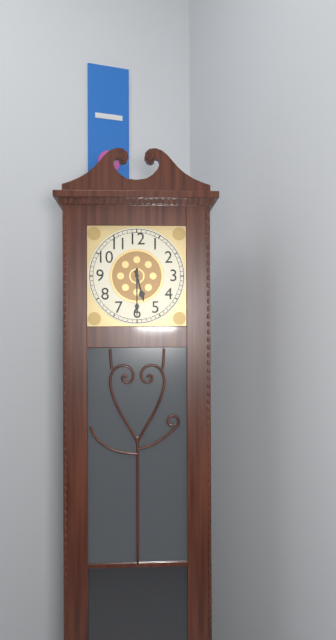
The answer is {"hour": 5, "minute": 30}
